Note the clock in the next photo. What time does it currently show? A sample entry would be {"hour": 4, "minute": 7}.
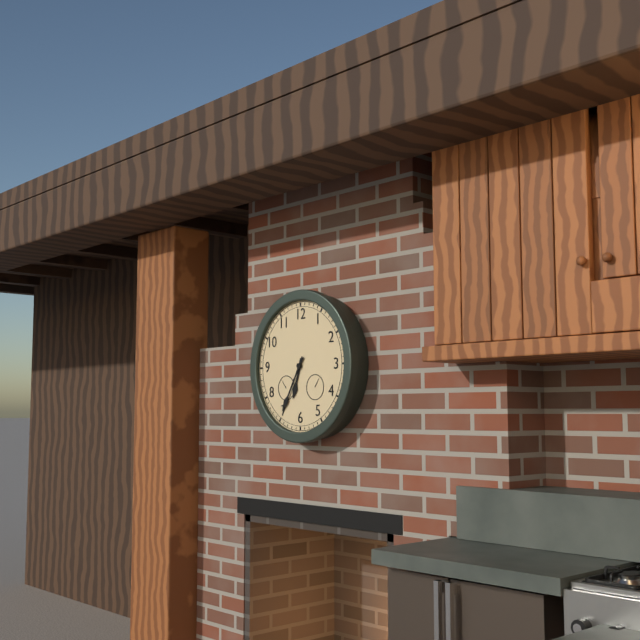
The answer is {"hour": 6, "minute": 35}
